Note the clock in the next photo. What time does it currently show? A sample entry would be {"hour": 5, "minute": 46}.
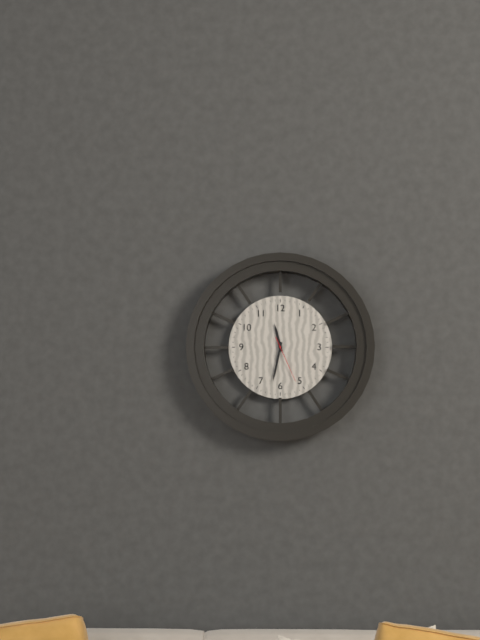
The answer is {"hour": 11, "minute": 32}
